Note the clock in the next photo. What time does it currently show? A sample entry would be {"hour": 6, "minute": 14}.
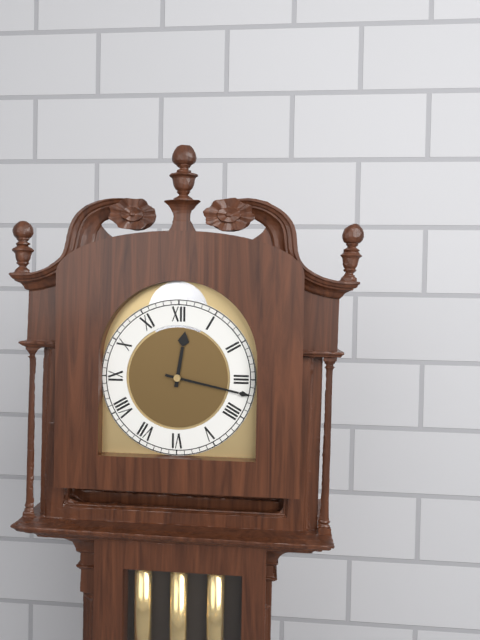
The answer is {"hour": 12, "minute": 17}
